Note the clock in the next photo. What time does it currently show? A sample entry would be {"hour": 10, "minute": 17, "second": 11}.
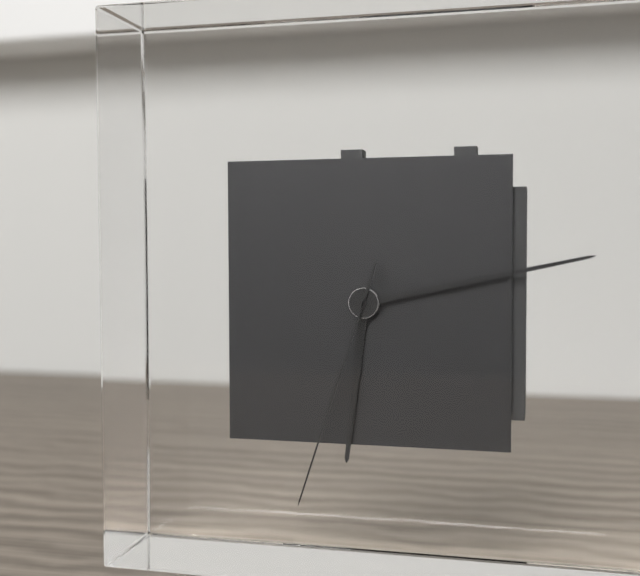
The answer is {"hour": 6, "minute": 13, "second": 33}
